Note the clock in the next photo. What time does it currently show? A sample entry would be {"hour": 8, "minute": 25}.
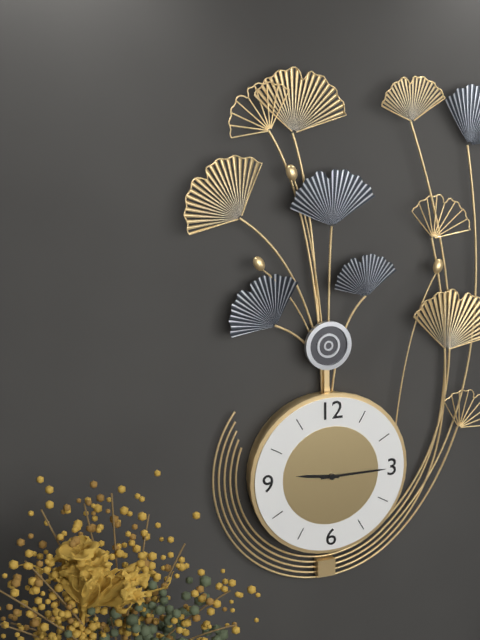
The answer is {"hour": 9, "minute": 15}
